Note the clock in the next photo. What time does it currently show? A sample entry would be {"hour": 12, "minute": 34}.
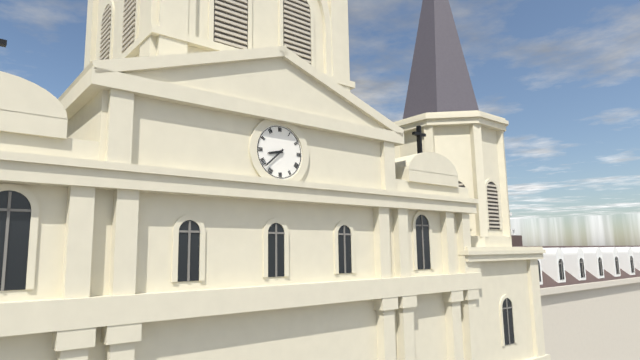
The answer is {"hour": 8, "minute": 38}
